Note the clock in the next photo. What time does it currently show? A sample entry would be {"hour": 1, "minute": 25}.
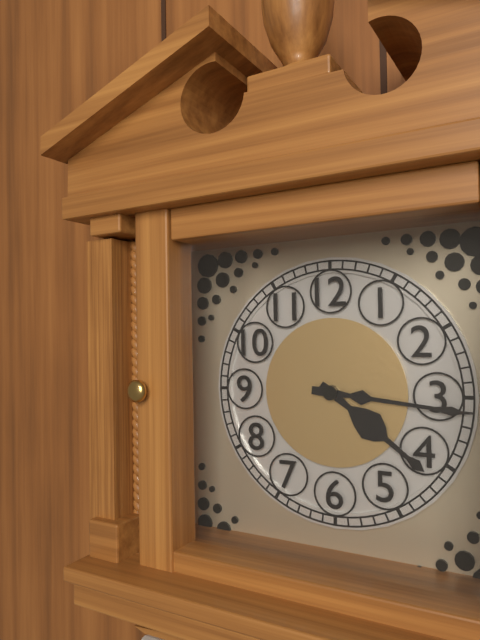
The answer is {"hour": 4, "minute": 16}
